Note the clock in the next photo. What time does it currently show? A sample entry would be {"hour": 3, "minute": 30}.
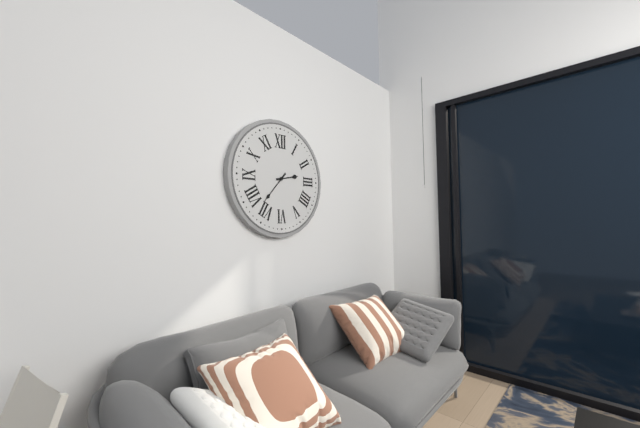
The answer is {"hour": 2, "minute": 37}
